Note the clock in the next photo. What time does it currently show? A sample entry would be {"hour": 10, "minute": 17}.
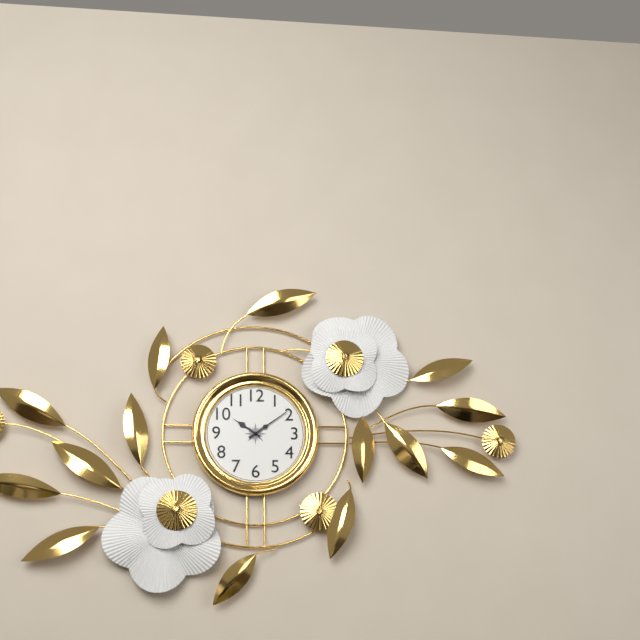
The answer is {"hour": 10, "minute": 9}
